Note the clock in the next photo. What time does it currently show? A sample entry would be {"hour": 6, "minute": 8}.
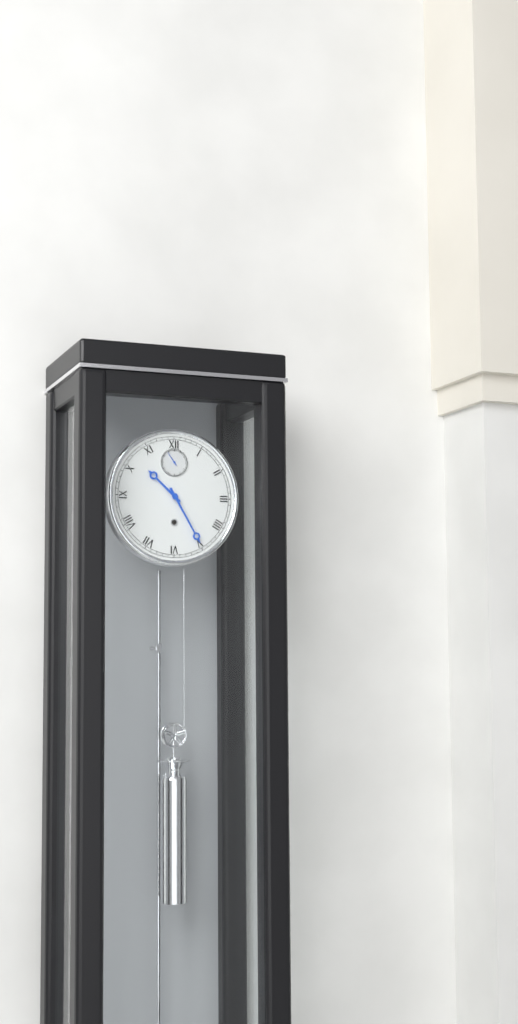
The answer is {"hour": 10, "minute": 25}
